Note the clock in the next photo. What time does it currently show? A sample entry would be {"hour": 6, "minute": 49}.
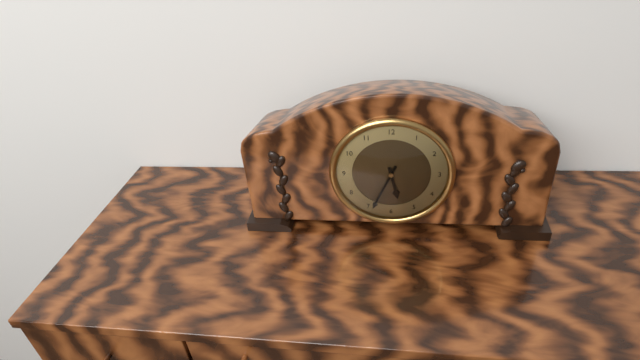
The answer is {"hour": 5, "minute": 34}
